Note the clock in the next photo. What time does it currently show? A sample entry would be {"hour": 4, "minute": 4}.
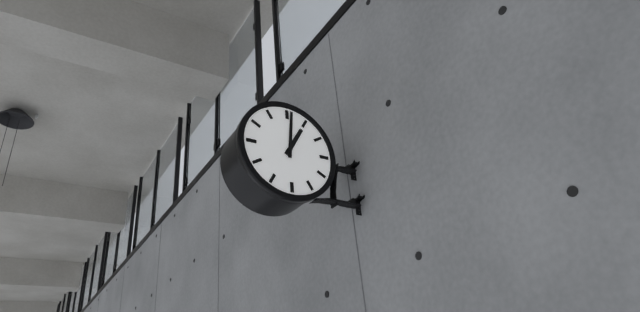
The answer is {"hour": 1, "minute": 1}
